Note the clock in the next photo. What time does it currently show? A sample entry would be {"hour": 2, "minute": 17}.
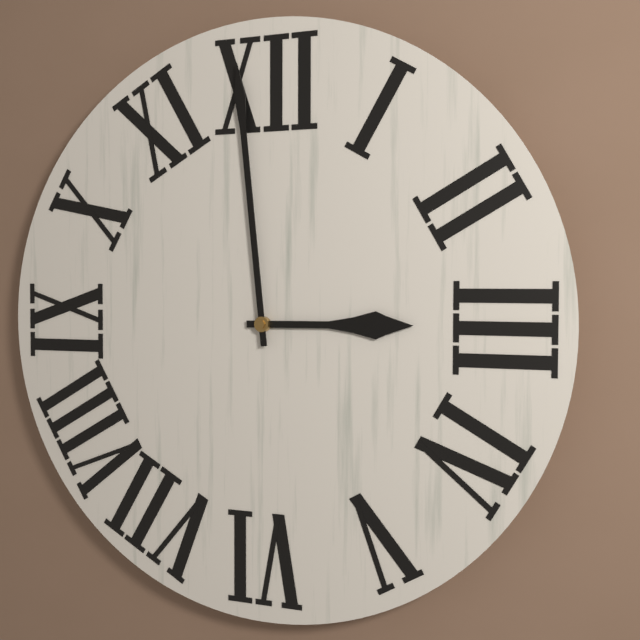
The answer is {"hour": 2, "minute": 59}
